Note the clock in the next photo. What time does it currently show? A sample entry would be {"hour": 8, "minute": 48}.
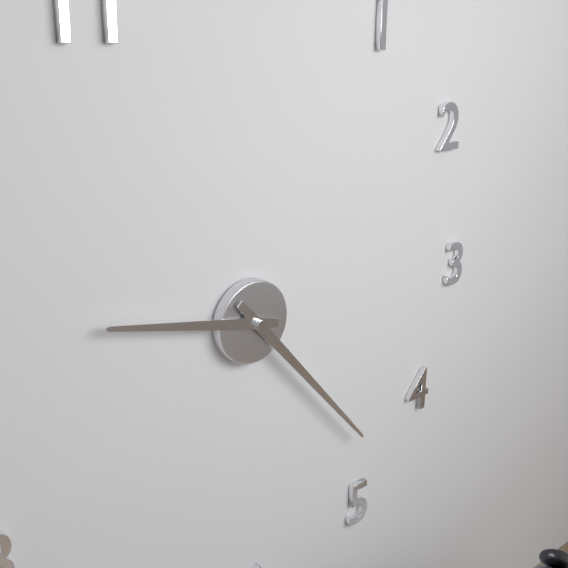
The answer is {"hour": 9, "minute": 23}
